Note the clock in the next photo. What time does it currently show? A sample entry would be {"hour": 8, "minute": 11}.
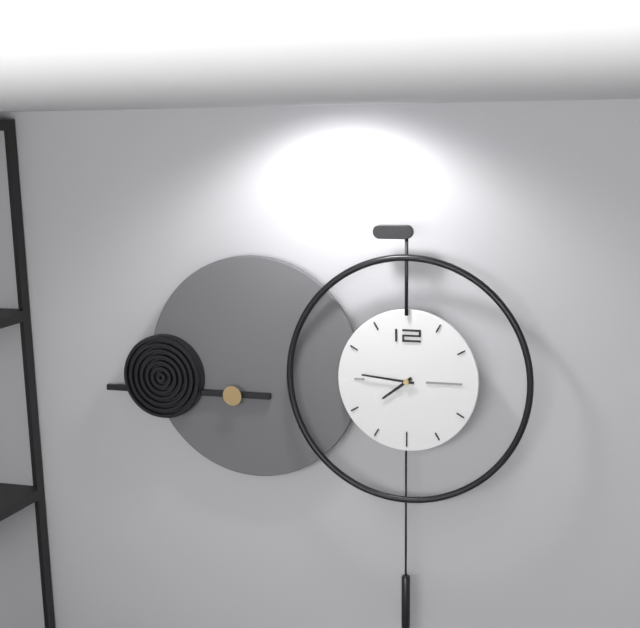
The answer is {"hour": 7, "minute": 46}
